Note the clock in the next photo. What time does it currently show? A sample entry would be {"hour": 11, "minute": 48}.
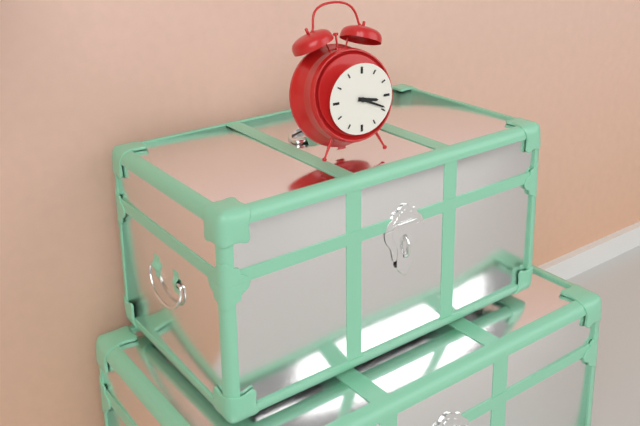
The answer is {"hour": 3, "minute": 19}
